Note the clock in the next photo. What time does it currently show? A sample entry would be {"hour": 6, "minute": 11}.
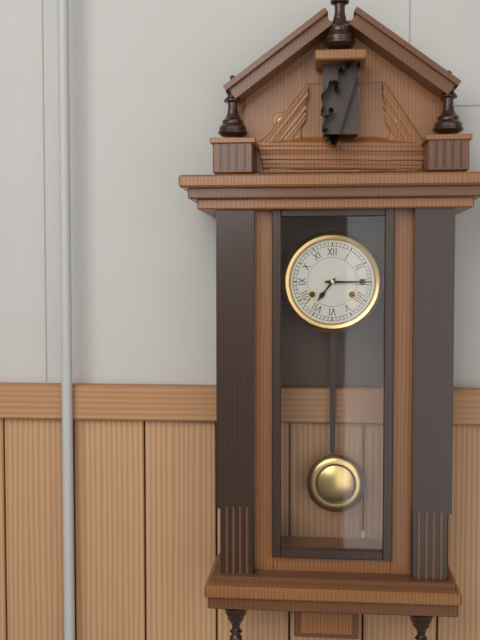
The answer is {"hour": 7, "minute": 15}
